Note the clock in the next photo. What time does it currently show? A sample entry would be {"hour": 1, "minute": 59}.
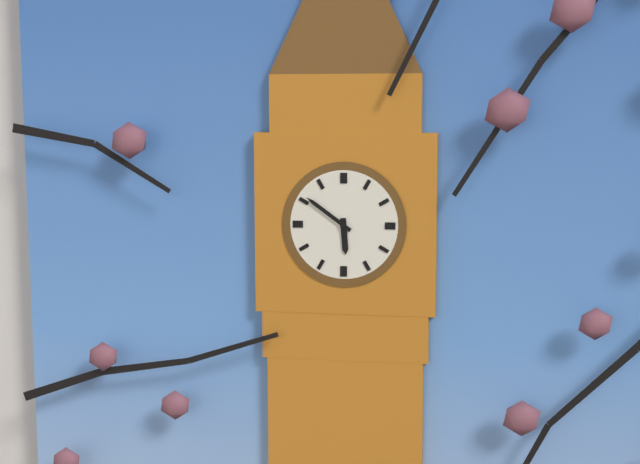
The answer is {"hour": 5, "minute": 51}
